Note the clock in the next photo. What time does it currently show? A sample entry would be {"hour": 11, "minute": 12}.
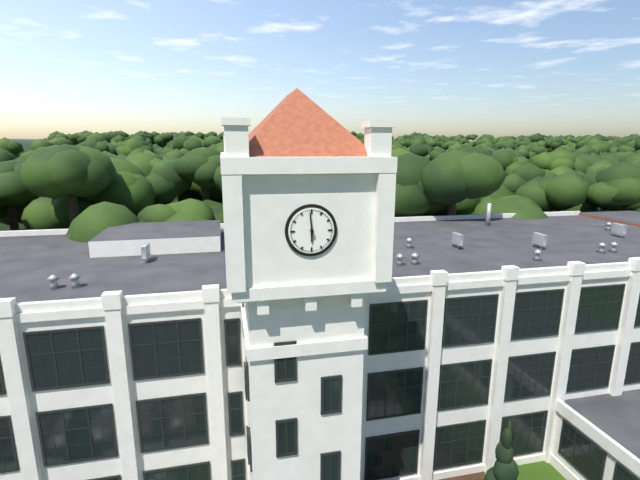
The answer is {"hour": 5, "minute": 59}
